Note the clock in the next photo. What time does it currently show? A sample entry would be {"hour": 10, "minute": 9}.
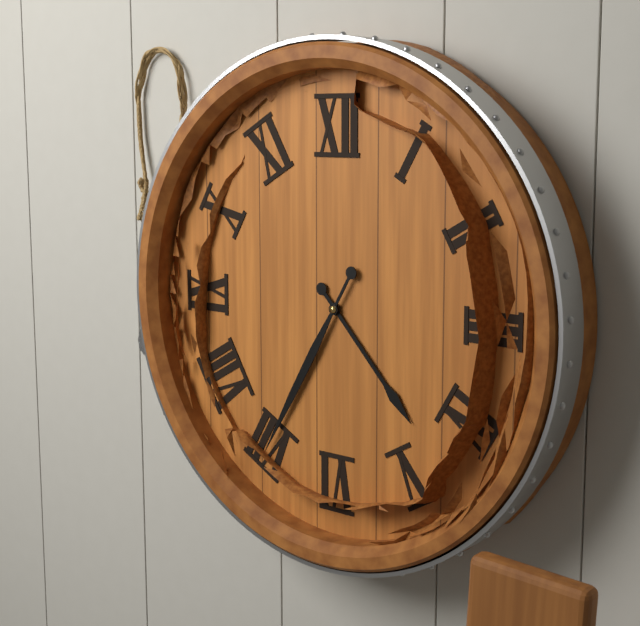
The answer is {"hour": 4, "minute": 35}
